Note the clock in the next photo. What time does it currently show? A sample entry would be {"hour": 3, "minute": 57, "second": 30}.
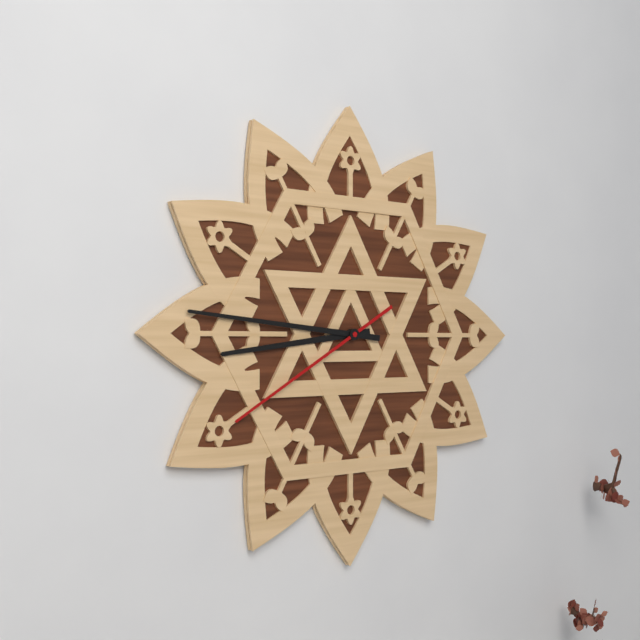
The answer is {"hour": 8, "minute": 46, "second": 40}
